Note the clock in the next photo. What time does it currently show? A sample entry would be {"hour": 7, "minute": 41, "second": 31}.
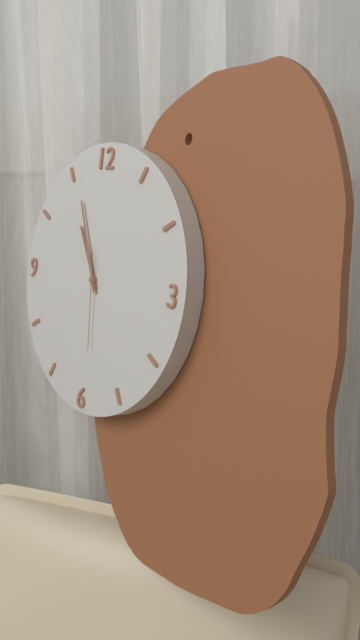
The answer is {"hour": 10, "minute": 56, "second": 29}
